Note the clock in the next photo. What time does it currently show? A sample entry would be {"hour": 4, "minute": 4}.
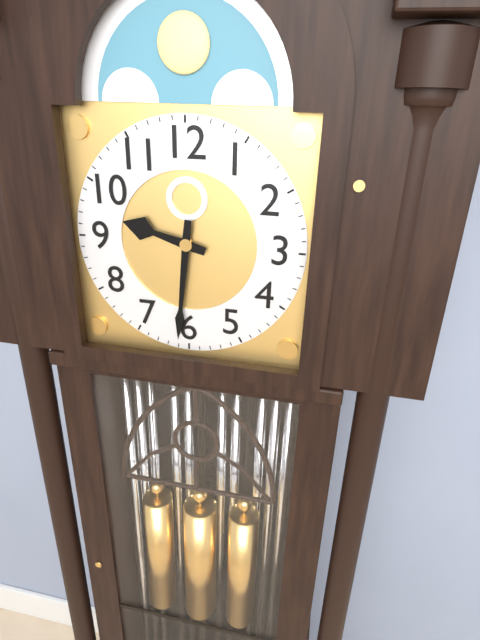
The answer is {"hour": 9, "minute": 31}
